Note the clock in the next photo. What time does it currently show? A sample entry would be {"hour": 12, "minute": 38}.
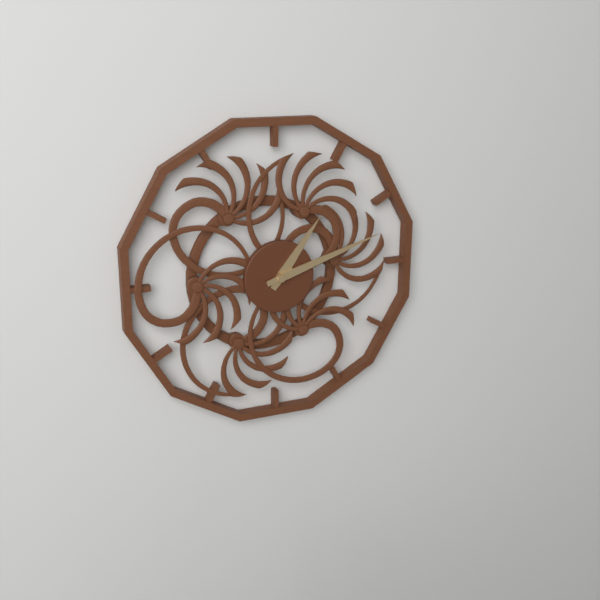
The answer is {"hour": 1, "minute": 12}
